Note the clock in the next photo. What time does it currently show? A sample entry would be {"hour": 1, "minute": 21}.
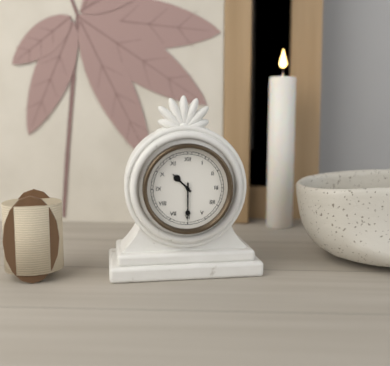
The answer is {"hour": 10, "minute": 30}
